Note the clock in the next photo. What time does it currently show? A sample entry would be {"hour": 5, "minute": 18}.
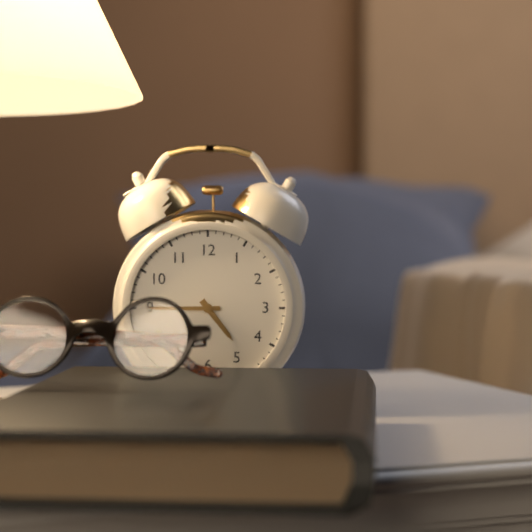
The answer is {"hour": 4, "minute": 45}
